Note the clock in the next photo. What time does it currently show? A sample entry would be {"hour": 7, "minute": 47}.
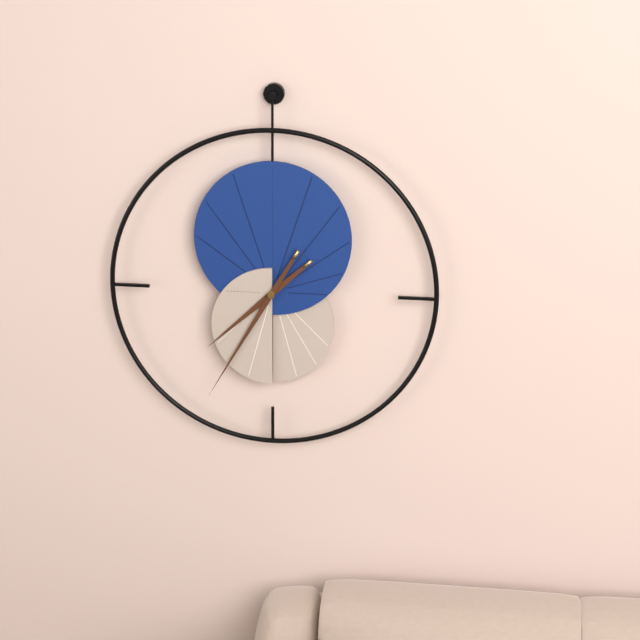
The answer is {"hour": 7, "minute": 35}
